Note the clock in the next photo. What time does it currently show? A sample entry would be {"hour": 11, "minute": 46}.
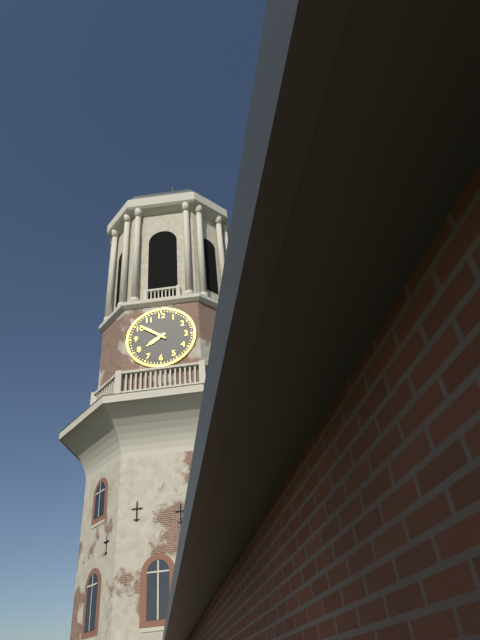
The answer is {"hour": 7, "minute": 51}
